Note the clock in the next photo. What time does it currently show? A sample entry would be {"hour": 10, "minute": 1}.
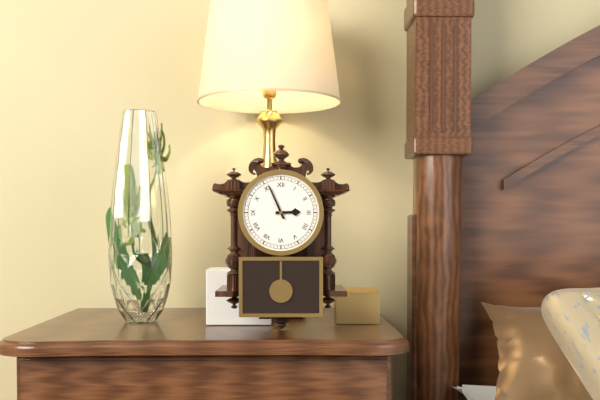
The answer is {"hour": 2, "minute": 56}
